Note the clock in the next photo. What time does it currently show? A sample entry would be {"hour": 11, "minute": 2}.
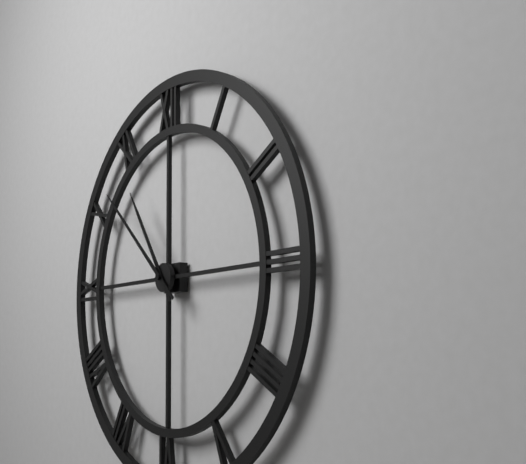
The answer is {"hour": 10, "minute": 52}
